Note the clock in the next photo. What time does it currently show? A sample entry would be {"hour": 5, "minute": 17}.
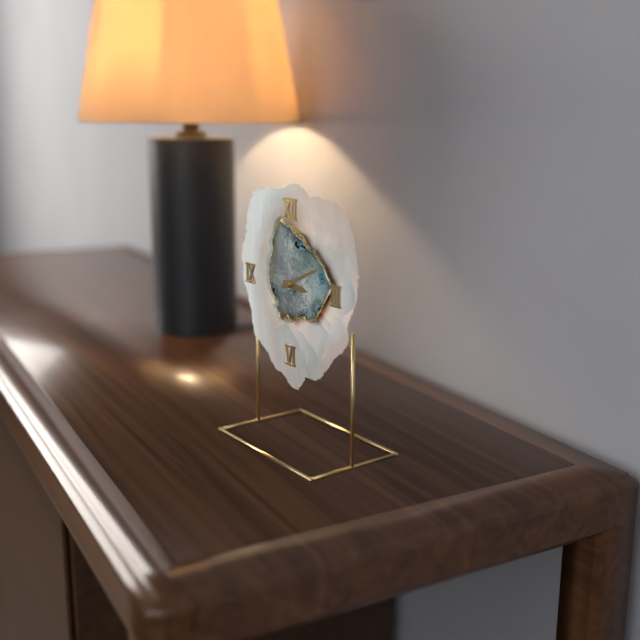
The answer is {"hour": 3, "minute": 11}
